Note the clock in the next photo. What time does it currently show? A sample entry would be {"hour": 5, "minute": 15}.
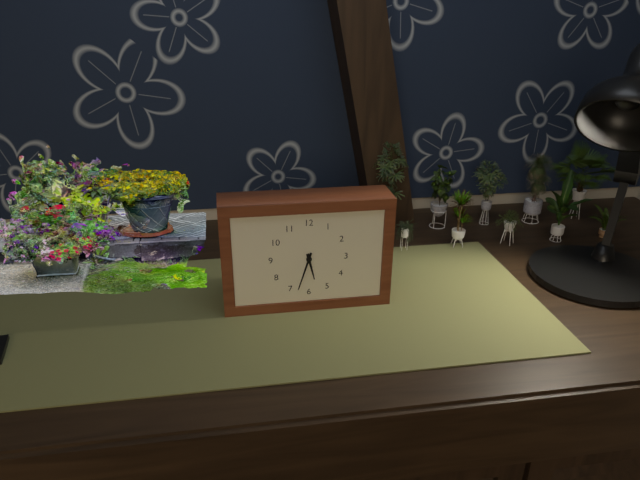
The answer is {"hour": 5, "minute": 33}
